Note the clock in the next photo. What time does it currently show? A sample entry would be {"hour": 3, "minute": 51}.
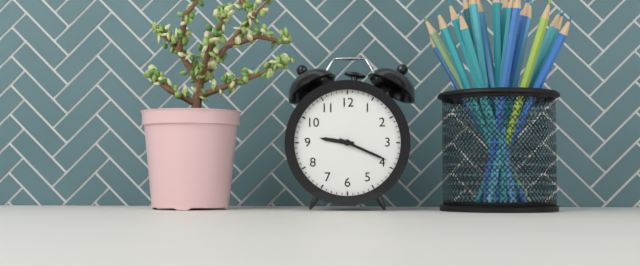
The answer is {"hour": 9, "minute": 19}
